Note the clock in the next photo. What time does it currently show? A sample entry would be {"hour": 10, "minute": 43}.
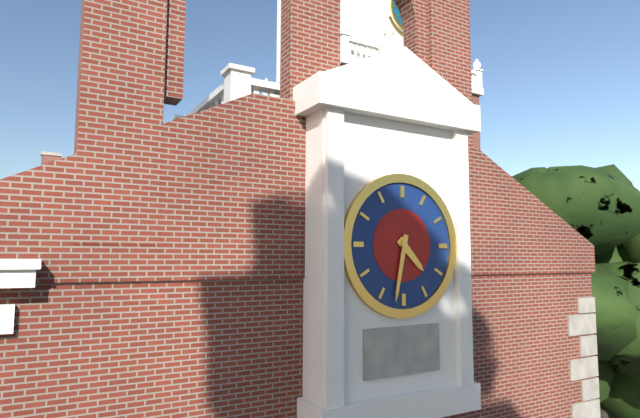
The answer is {"hour": 4, "minute": 32}
